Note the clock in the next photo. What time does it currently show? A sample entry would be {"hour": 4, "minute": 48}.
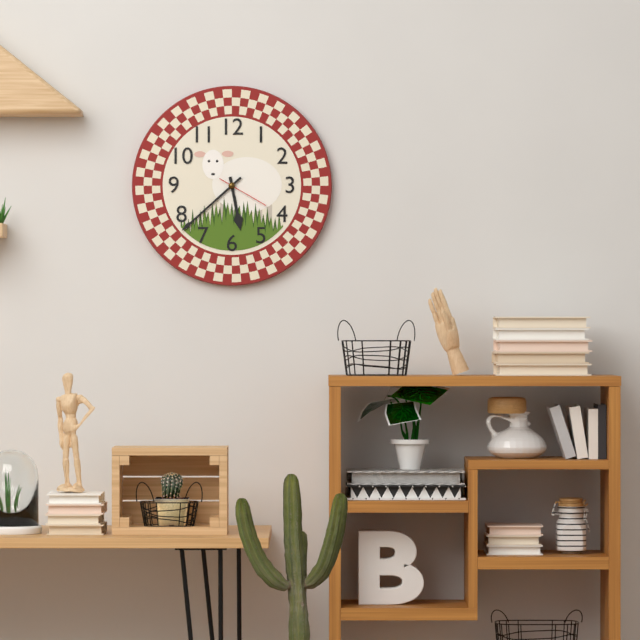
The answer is {"hour": 5, "minute": 38}
